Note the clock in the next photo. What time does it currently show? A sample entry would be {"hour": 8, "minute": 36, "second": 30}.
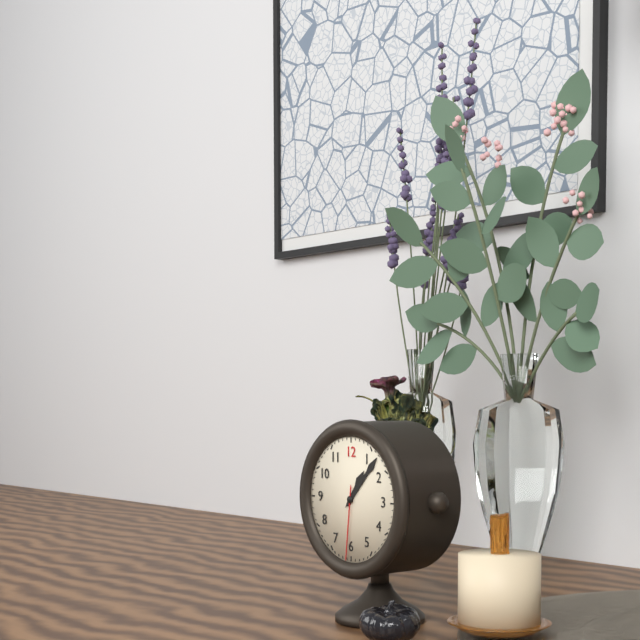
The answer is {"hour": 1, "minute": 7, "second": 31}
